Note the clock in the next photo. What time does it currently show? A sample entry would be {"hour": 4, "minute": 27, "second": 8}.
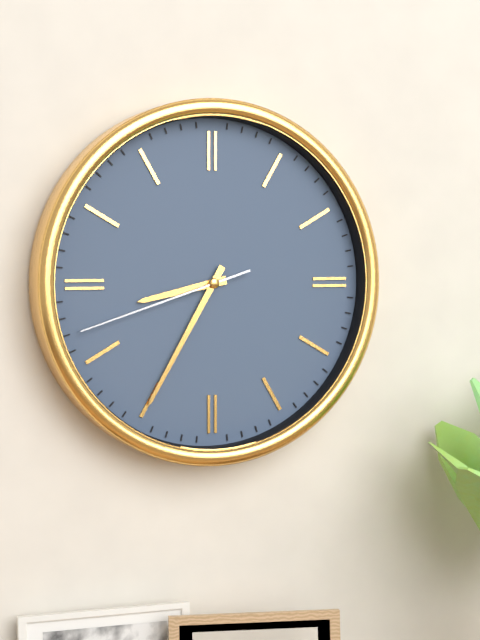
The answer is {"hour": 8, "minute": 35, "second": 42}
